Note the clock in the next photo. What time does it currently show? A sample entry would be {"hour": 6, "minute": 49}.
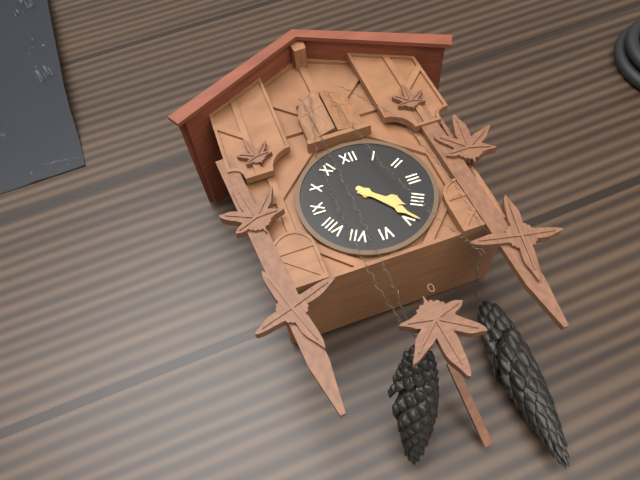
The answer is {"hour": 4, "minute": 24}
